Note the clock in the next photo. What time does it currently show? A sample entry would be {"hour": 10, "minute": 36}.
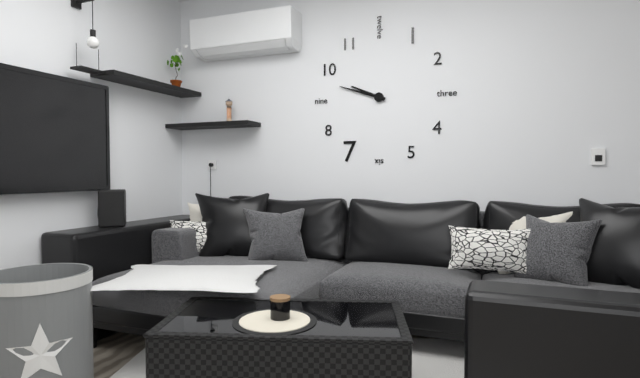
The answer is {"hour": 9, "minute": 48}
